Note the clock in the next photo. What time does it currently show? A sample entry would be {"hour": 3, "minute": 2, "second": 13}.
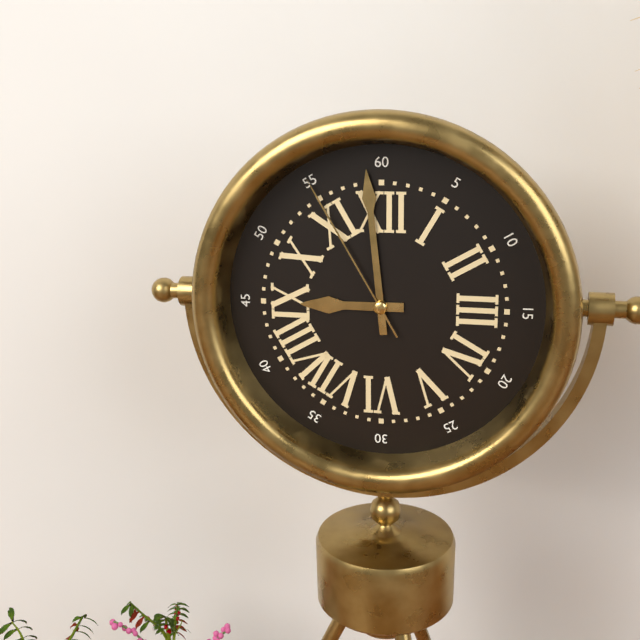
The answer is {"hour": 8, "minute": 59, "second": 55}
